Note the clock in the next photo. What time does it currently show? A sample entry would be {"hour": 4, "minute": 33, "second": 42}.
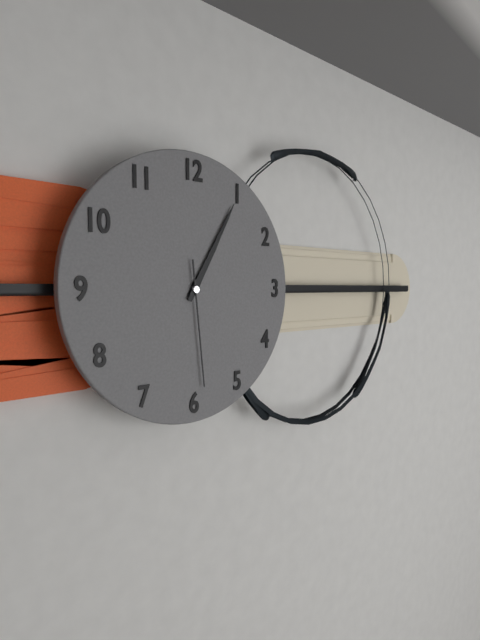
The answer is {"hour": 1, "minute": 5, "second": 29}
